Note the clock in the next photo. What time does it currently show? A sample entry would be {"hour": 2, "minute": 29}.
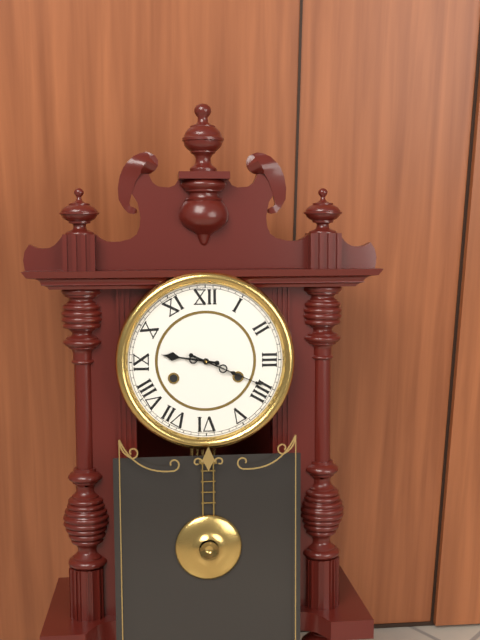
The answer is {"hour": 9, "minute": 19}
